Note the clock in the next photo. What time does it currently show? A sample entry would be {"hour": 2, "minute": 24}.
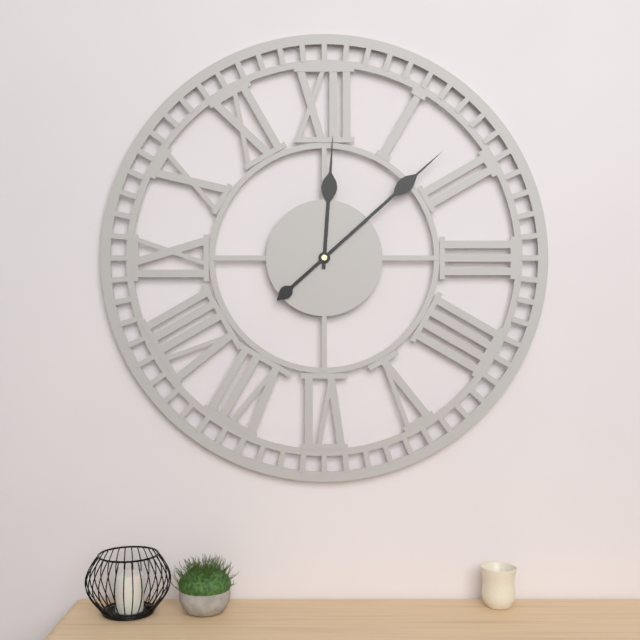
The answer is {"hour": 12, "minute": 8}
